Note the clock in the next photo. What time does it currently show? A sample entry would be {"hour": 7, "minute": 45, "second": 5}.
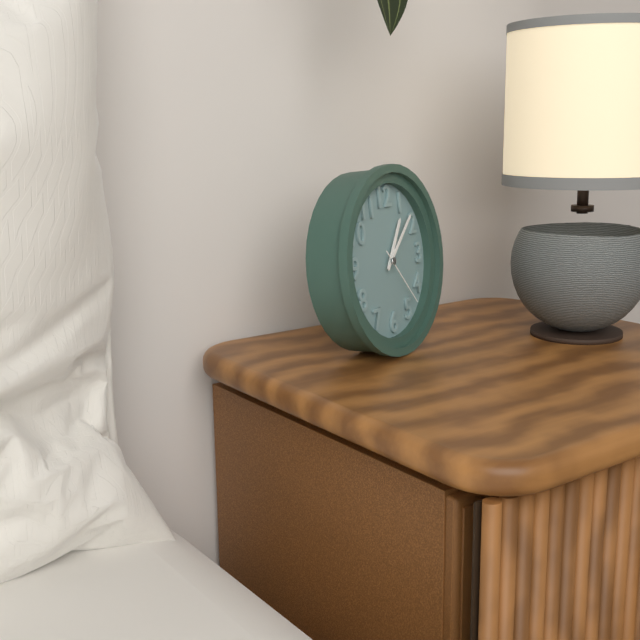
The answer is {"hour": 1, "minute": 8, "second": 23}
